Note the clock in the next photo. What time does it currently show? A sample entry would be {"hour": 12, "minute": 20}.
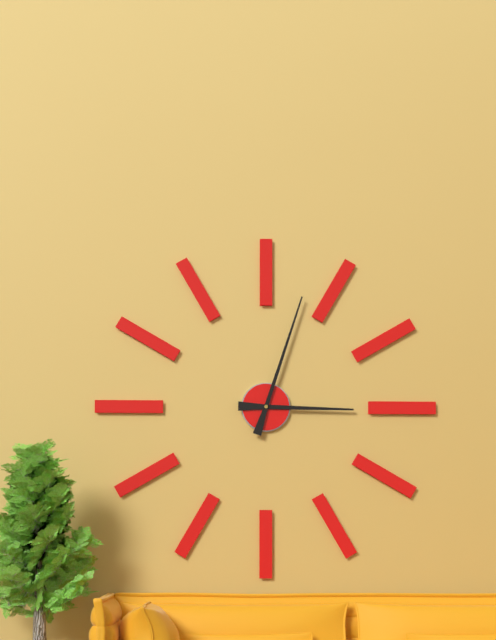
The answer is {"hour": 3, "minute": 3}
